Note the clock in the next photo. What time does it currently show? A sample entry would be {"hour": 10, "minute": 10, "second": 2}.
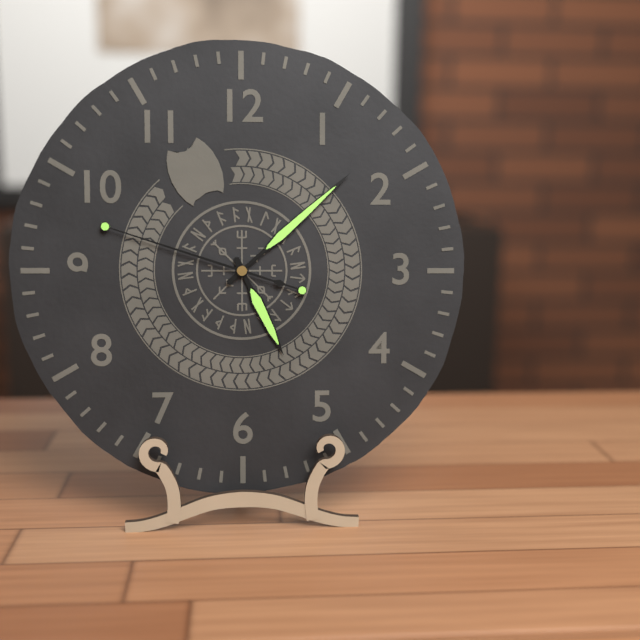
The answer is {"hour": 5, "minute": 8, "second": 48}
